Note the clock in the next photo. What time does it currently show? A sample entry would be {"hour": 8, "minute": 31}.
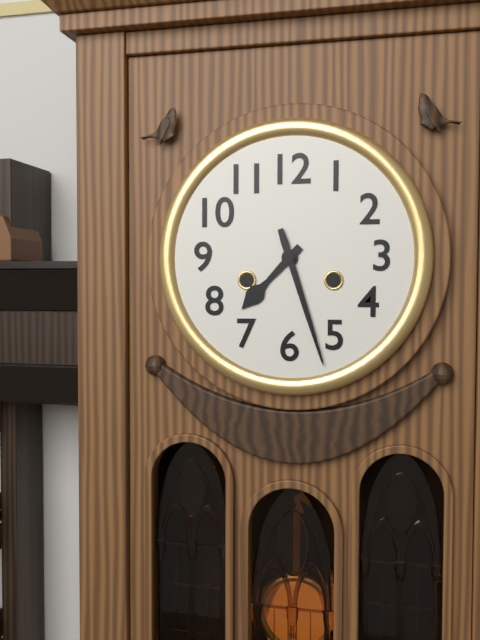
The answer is {"hour": 7, "minute": 27}
